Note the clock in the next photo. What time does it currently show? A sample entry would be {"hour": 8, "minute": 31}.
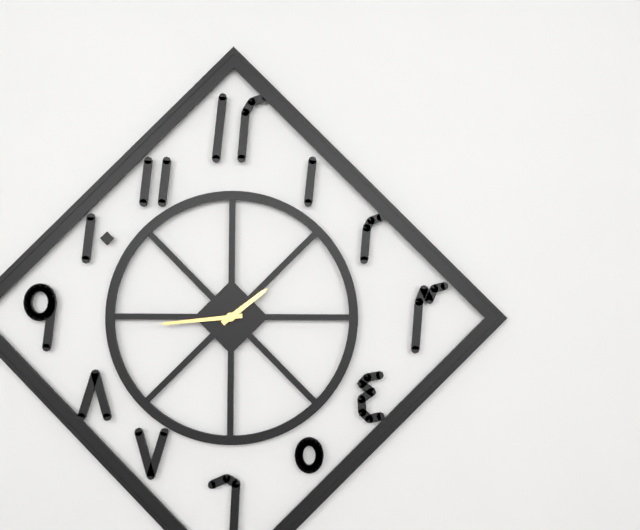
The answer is {"hour": 1, "minute": 44}
